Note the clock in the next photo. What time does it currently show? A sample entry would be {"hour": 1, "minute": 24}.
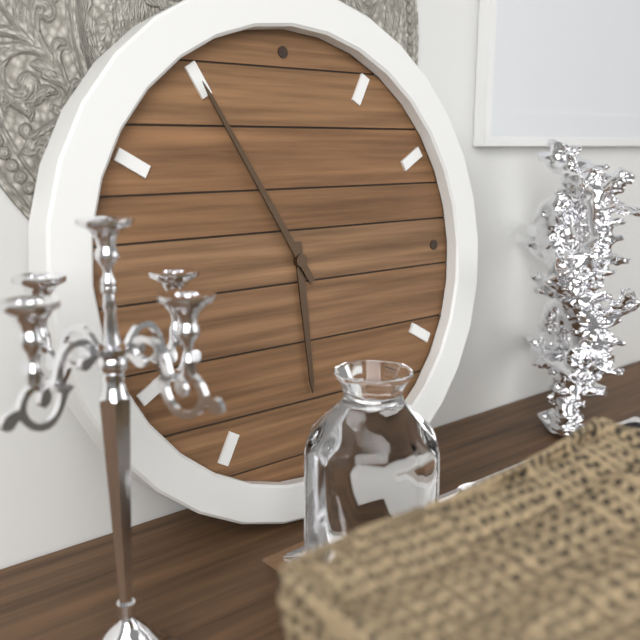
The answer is {"hour": 5, "minute": 55}
